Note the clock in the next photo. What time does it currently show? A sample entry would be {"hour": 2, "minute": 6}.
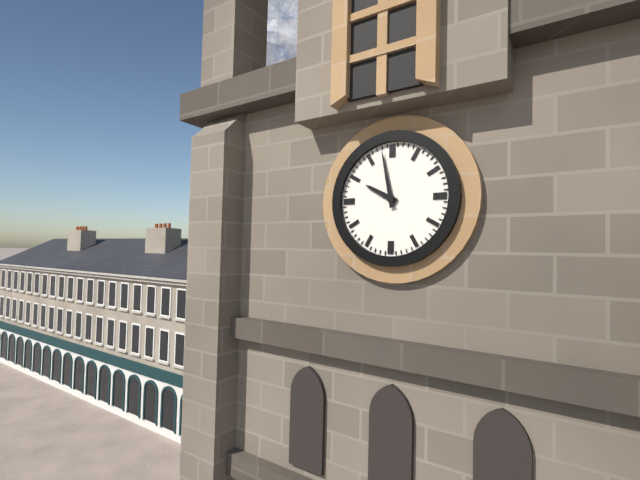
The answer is {"hour": 9, "minute": 58}
